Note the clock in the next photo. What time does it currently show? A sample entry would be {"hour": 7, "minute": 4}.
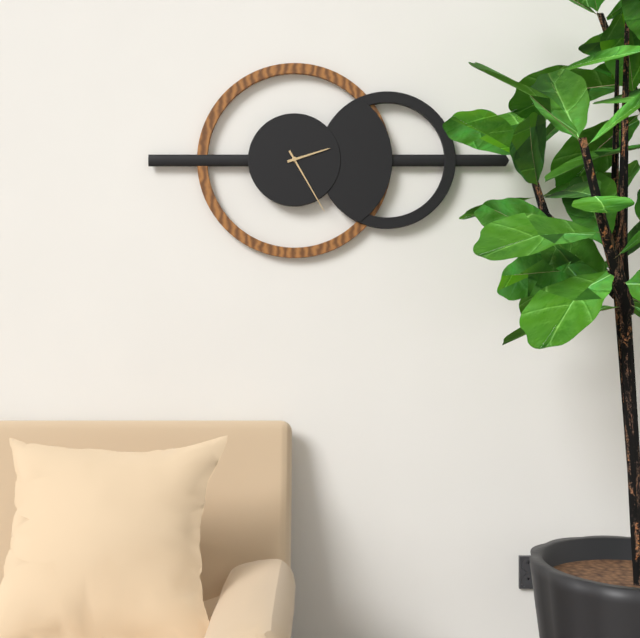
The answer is {"hour": 2, "minute": 25}
